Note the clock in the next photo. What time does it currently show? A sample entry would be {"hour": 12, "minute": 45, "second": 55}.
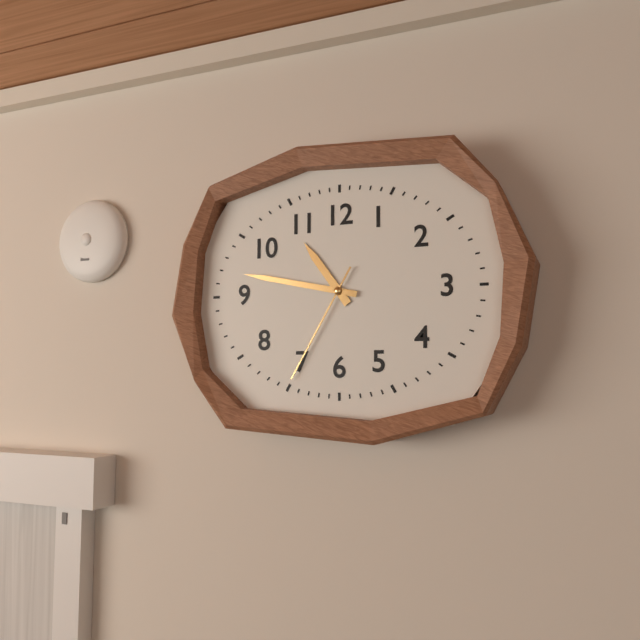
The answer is {"hour": 10, "minute": 47, "second": 35}
